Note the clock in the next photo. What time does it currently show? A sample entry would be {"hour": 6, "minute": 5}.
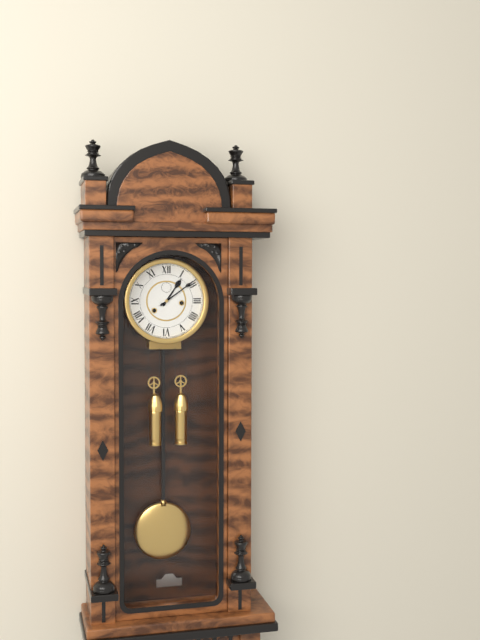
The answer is {"hour": 1, "minute": 9}
